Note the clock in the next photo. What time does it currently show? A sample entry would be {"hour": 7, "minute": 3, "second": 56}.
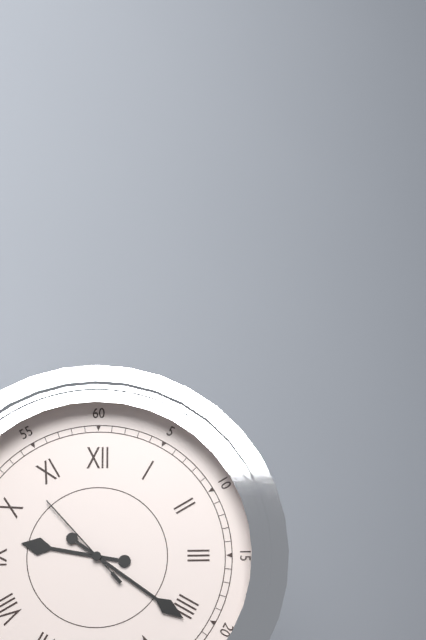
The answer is {"hour": 9, "minute": 21, "second": 53}
